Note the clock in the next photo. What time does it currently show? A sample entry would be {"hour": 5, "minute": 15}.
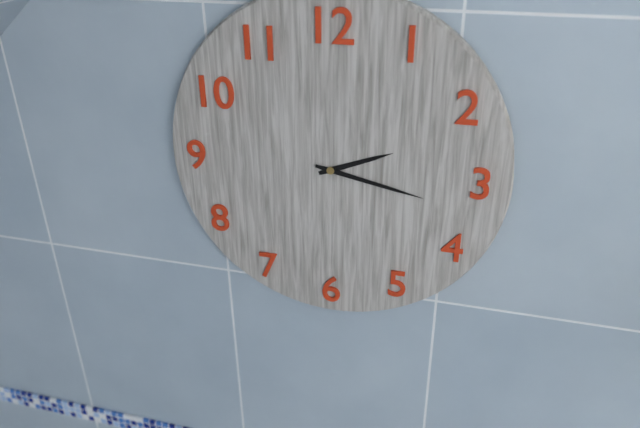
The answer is {"hour": 2, "minute": 17}
